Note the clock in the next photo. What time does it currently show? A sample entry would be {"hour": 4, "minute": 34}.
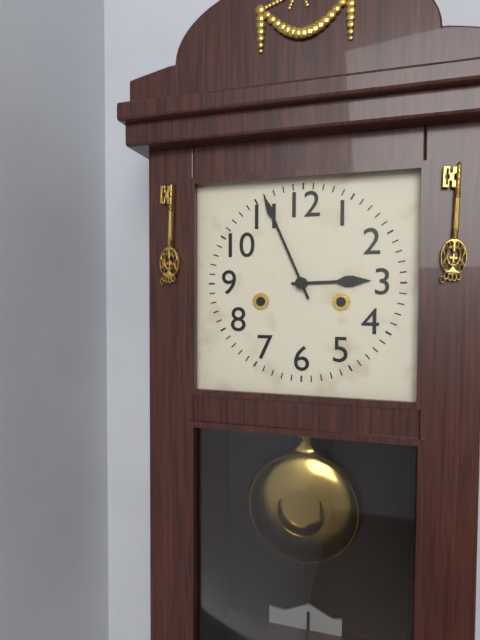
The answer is {"hour": 2, "minute": 56}
